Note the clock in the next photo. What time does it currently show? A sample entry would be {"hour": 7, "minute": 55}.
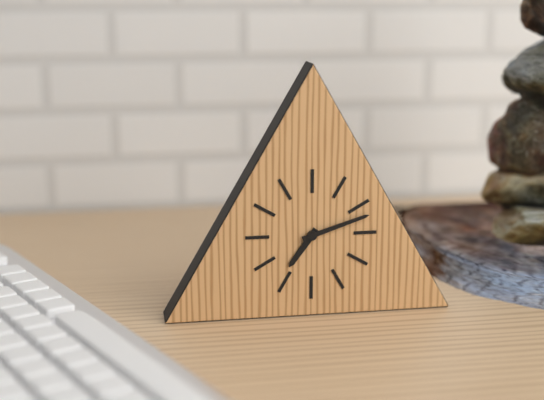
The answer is {"hour": 7, "minute": 12}
